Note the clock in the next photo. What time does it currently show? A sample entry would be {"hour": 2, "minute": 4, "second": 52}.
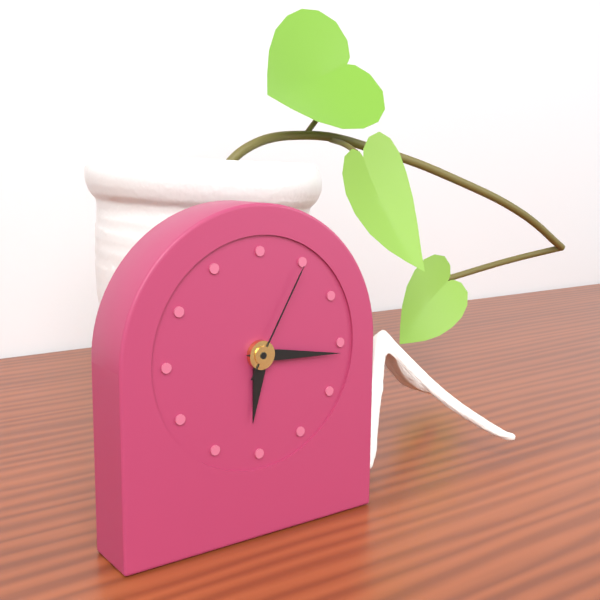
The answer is {"hour": 6, "minute": 16, "second": 5}
